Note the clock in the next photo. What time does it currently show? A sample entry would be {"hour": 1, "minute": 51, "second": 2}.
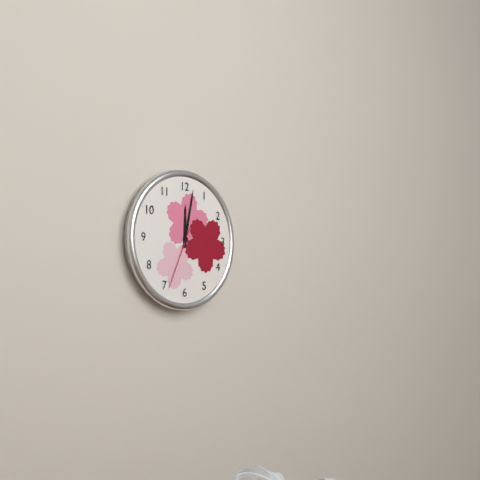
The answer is {"hour": 12, "minute": 2, "second": 34}
